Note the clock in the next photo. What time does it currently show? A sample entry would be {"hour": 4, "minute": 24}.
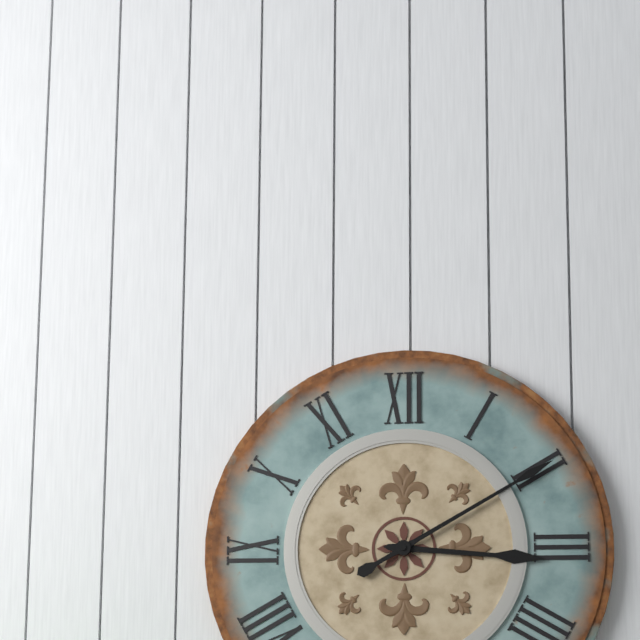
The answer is {"hour": 3, "minute": 10}
